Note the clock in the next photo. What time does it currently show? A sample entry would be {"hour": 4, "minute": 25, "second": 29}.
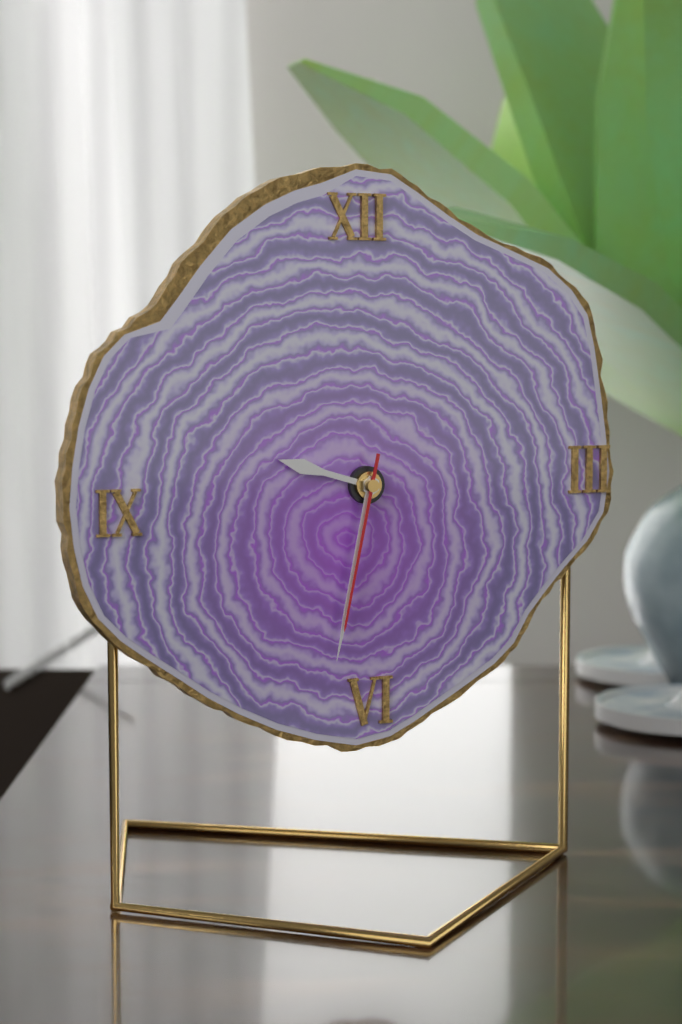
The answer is {"hour": 9, "minute": 32, "second": 32}
